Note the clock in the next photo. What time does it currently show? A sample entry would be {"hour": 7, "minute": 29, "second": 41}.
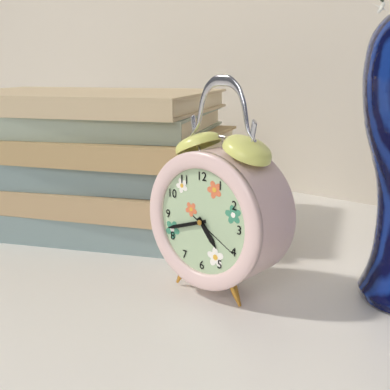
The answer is {"hour": 4, "minute": 42, "second": 20}
